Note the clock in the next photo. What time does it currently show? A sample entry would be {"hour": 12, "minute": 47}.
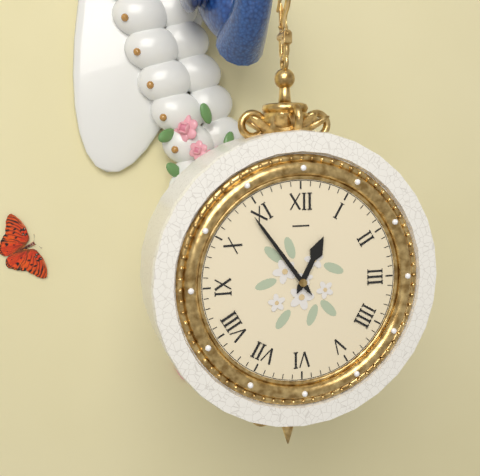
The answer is {"hour": 12, "minute": 54}
